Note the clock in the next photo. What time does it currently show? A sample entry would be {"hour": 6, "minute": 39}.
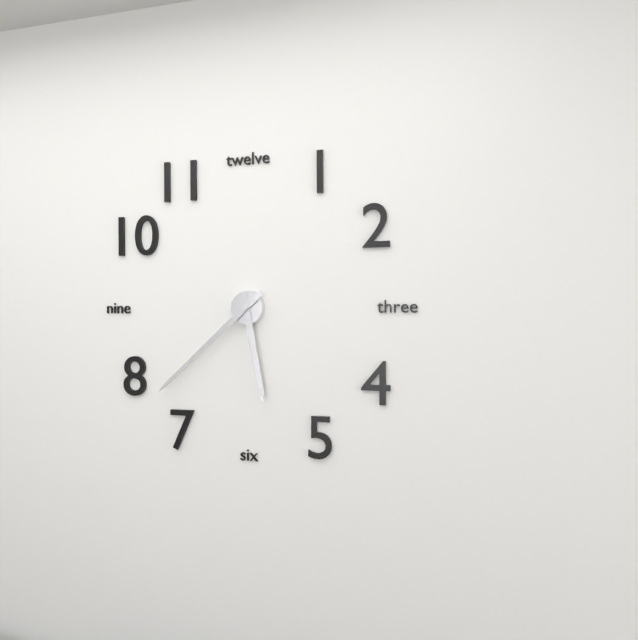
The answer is {"hour": 5, "minute": 38}
